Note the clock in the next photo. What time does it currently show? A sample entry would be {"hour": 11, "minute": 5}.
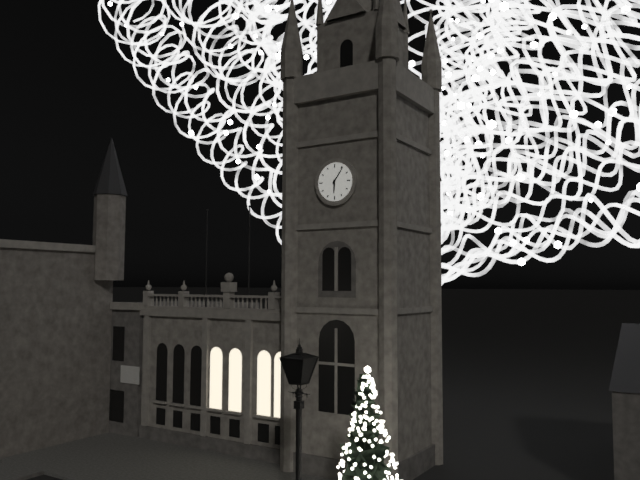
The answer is {"hour": 6, "minute": 6}
